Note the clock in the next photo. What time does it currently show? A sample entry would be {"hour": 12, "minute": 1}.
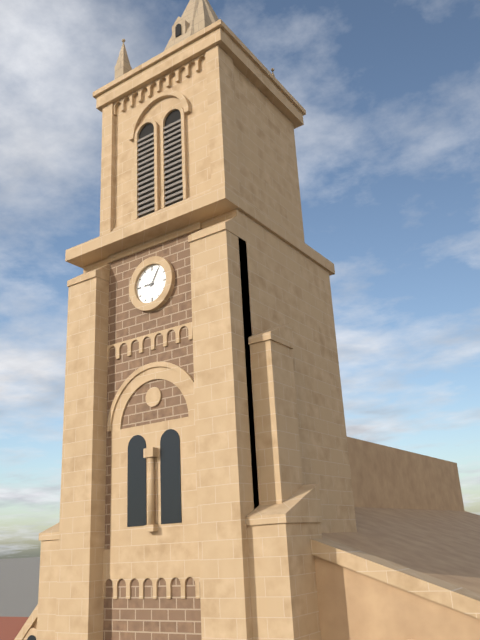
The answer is {"hour": 9, "minute": 5}
